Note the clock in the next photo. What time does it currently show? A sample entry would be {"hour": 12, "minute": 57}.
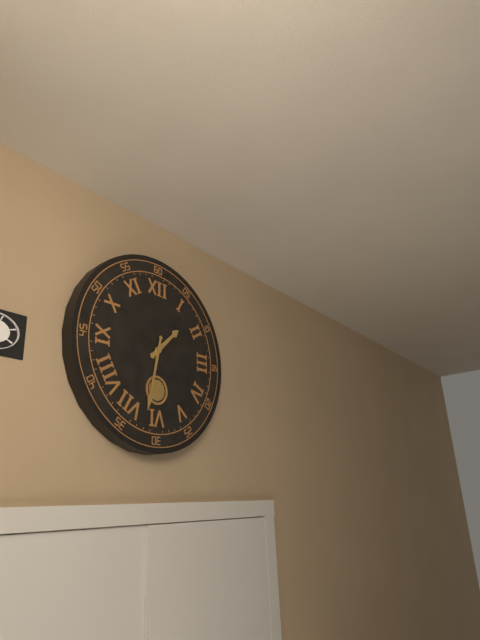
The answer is {"hour": 1, "minute": 32}
